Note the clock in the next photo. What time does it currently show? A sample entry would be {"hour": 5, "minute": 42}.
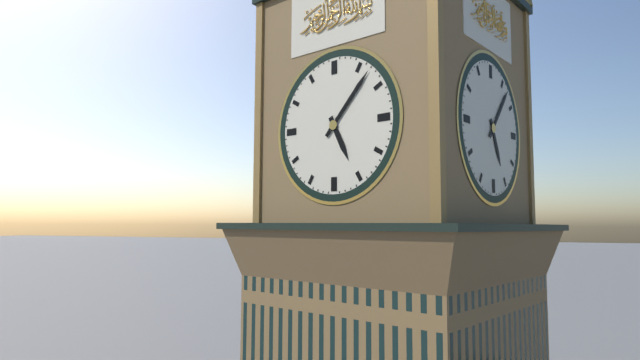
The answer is {"hour": 5, "minute": 7}
